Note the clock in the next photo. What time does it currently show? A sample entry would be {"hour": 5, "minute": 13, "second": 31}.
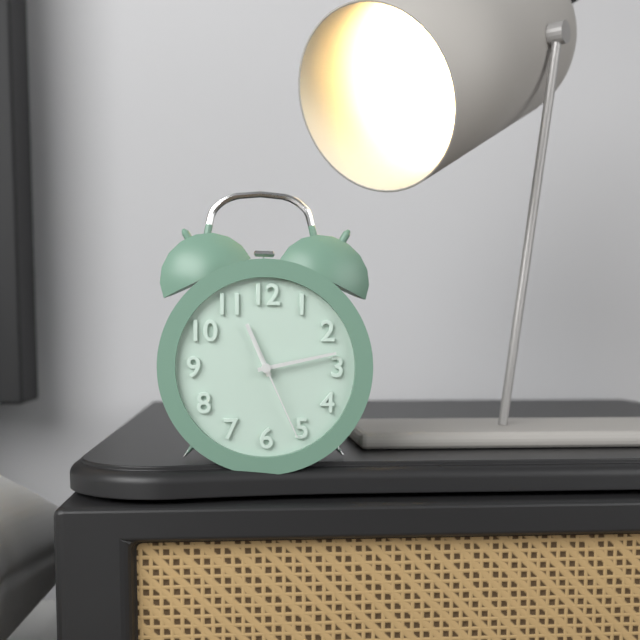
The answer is {"hour": 11, "minute": 13, "second": 26}
